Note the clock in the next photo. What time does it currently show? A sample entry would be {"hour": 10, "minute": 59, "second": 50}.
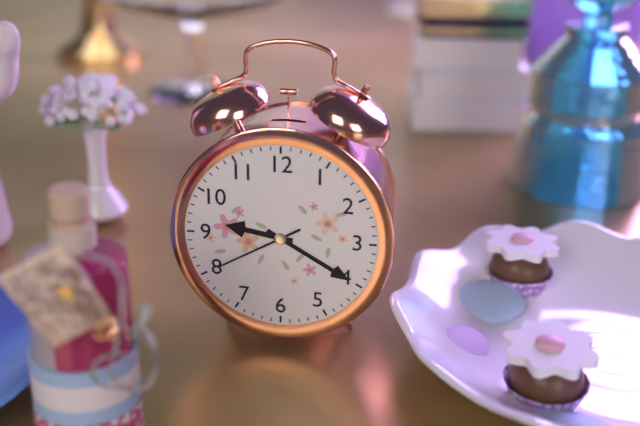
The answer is {"hour": 9, "minute": 20, "second": 40}
